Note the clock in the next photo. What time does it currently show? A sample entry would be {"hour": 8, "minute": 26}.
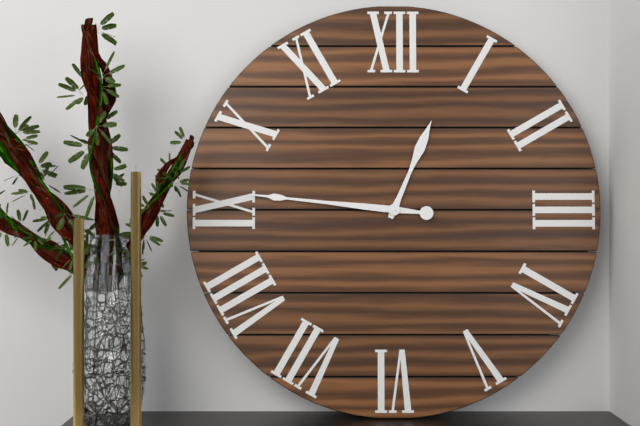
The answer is {"hour": 12, "minute": 46}
